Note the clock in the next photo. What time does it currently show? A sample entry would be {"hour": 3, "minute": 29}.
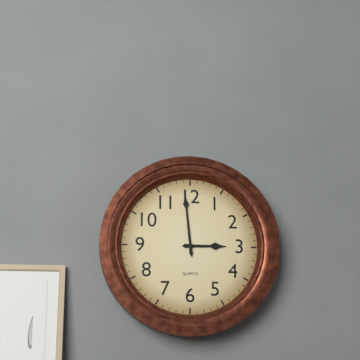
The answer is {"hour": 2, "minute": 59}
